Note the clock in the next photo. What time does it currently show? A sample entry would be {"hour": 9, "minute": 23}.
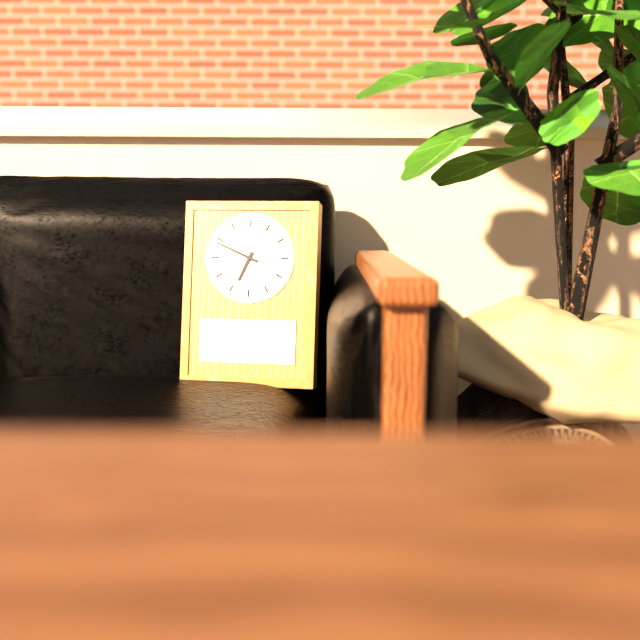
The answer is {"hour": 6, "minute": 49}
